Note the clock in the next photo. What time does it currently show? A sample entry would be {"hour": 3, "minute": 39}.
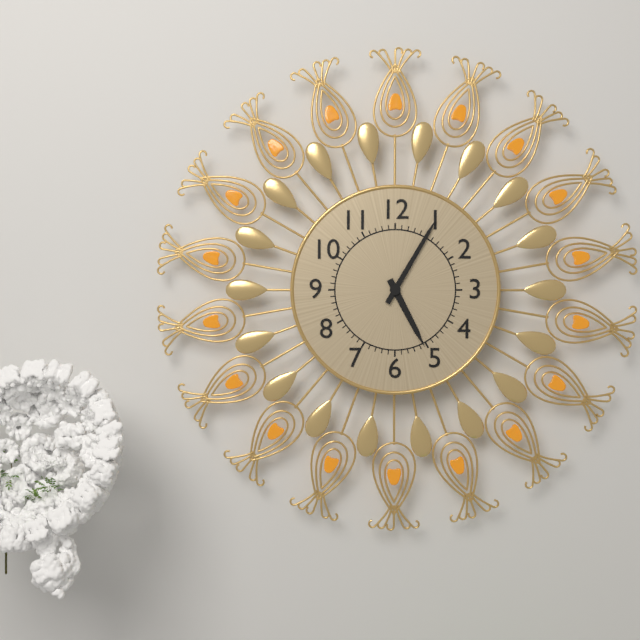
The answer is {"hour": 5, "minute": 5}
